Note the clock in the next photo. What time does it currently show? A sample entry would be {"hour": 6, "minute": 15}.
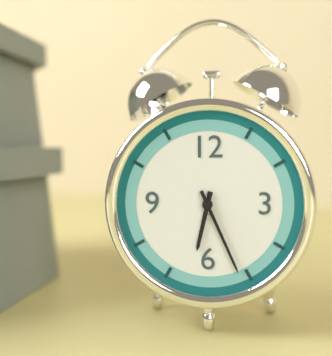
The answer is {"hour": 6, "minute": 26}
